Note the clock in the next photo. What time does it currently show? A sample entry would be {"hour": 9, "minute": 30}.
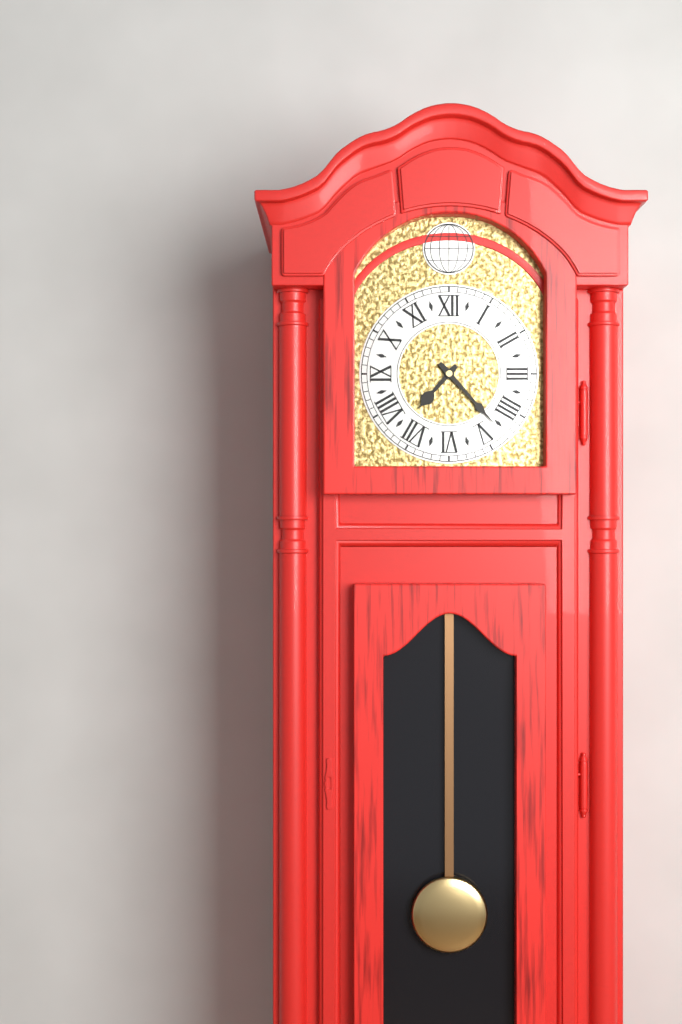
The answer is {"hour": 7, "minute": 23}
